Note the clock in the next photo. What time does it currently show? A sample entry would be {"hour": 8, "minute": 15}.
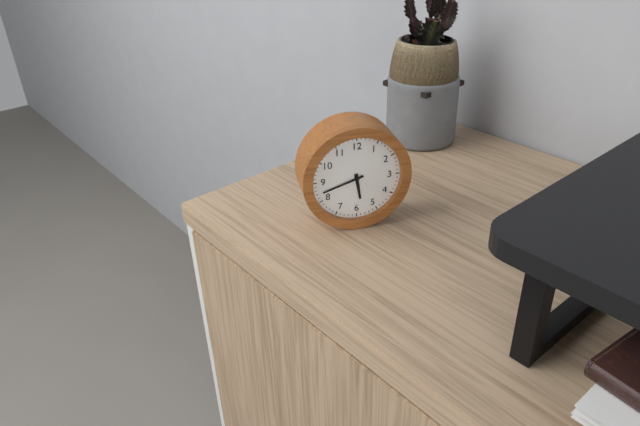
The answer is {"hour": 5, "minute": 42}
